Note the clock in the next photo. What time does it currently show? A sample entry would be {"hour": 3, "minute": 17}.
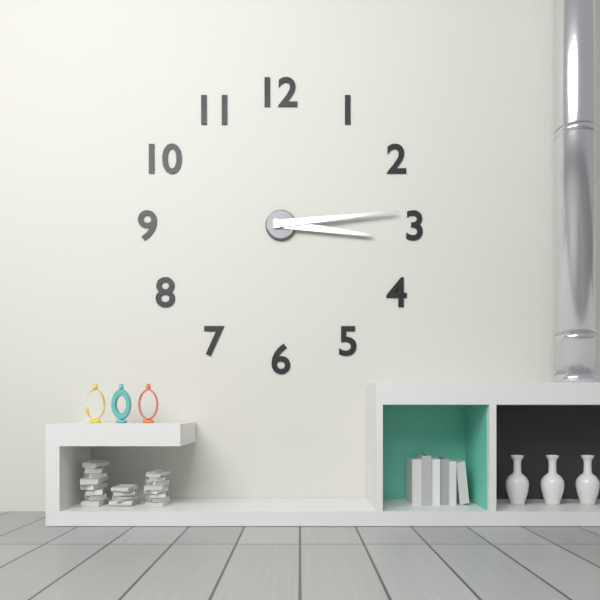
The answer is {"hour": 3, "minute": 14}
